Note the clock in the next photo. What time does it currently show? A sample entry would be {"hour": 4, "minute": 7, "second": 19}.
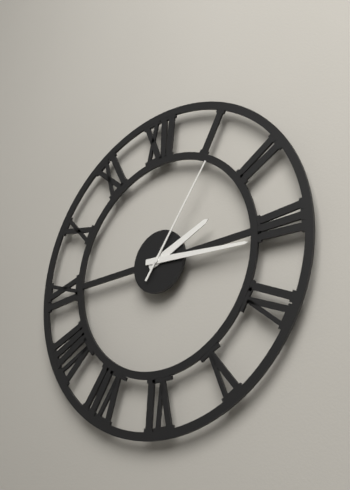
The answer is {"hour": 2, "minute": 16, "second": 6}
